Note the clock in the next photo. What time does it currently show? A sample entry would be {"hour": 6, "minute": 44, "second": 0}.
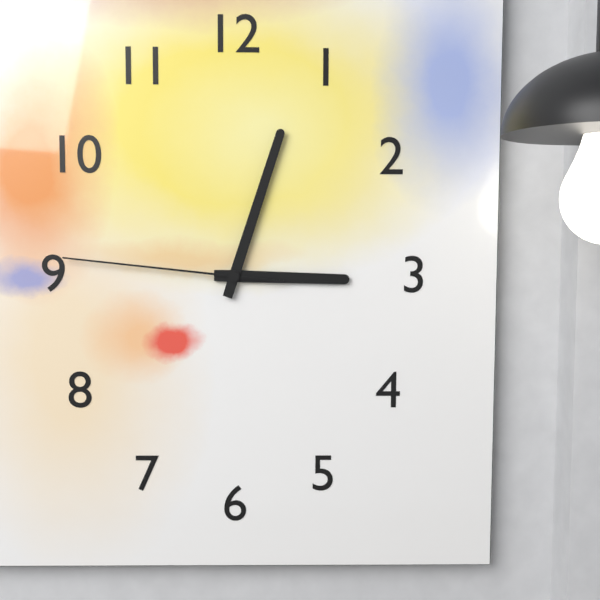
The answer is {"hour": 3, "minute": 3, "second": 46}
